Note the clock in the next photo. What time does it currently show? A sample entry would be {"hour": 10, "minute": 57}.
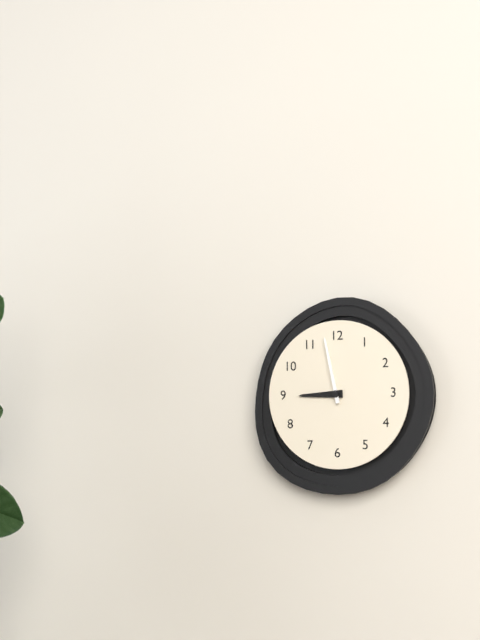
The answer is {"hour": 8, "minute": 58}
